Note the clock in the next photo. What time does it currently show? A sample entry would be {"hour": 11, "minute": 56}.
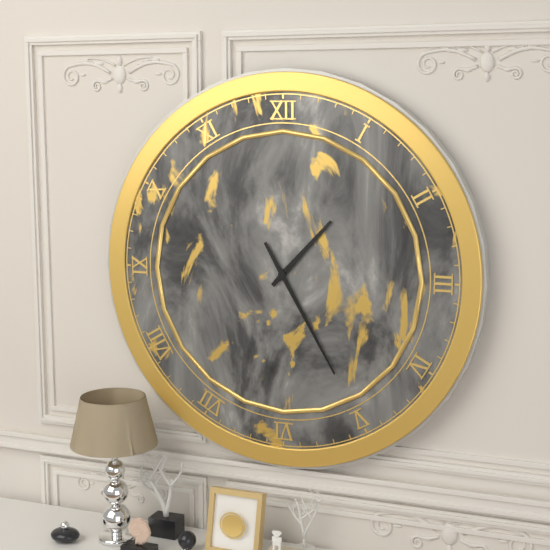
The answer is {"hour": 1, "minute": 25}
